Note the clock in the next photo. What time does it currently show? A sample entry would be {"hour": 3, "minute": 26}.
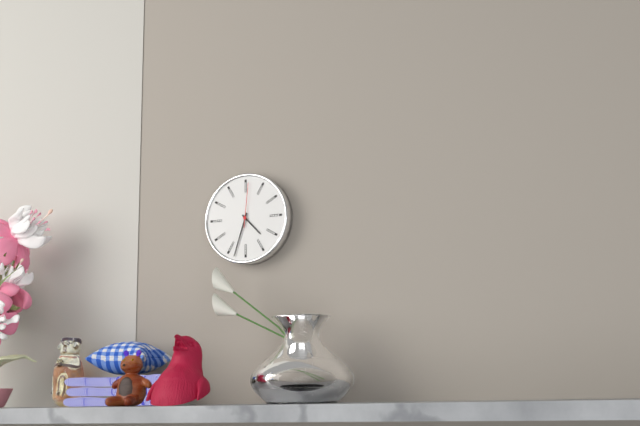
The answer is {"hour": 4, "minute": 33}
